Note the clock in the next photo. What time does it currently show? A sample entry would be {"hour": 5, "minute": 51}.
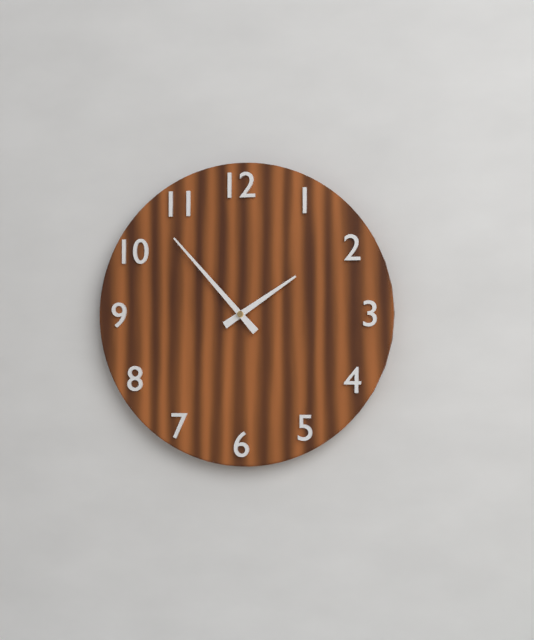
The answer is {"hour": 1, "minute": 53}
